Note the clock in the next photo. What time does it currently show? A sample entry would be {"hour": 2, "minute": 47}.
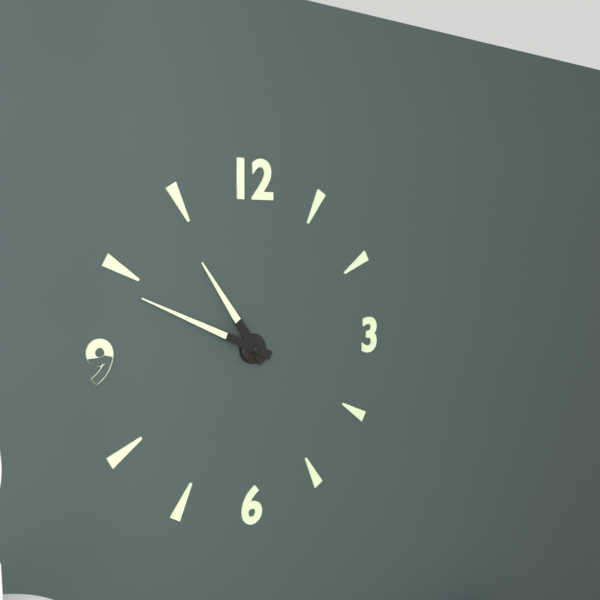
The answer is {"hour": 10, "minute": 49}
